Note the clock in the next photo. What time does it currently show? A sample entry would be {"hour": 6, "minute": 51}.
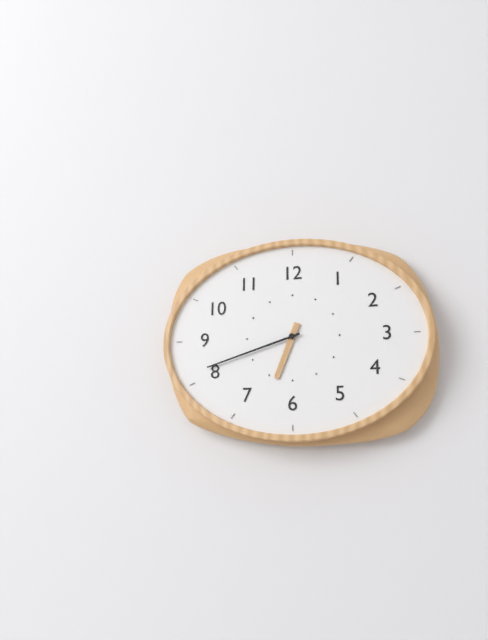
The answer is {"hour": 6, "minute": 42}
